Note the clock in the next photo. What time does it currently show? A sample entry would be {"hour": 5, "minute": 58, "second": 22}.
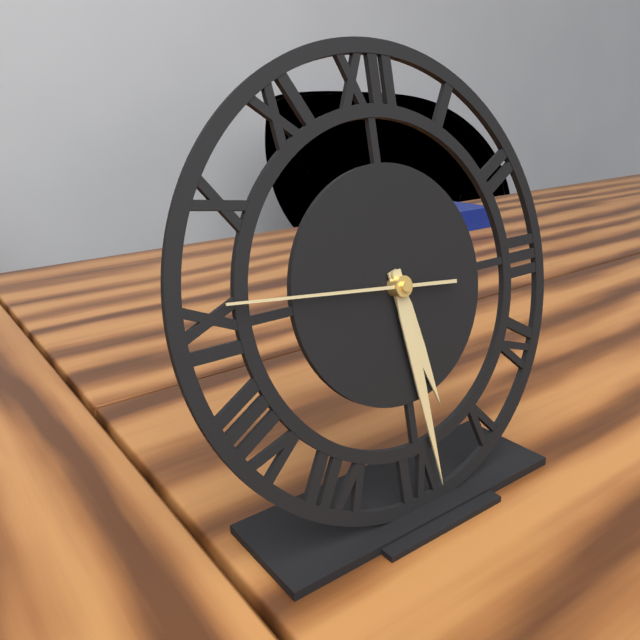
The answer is {"hour": 5, "minute": 29, "second": 46}
